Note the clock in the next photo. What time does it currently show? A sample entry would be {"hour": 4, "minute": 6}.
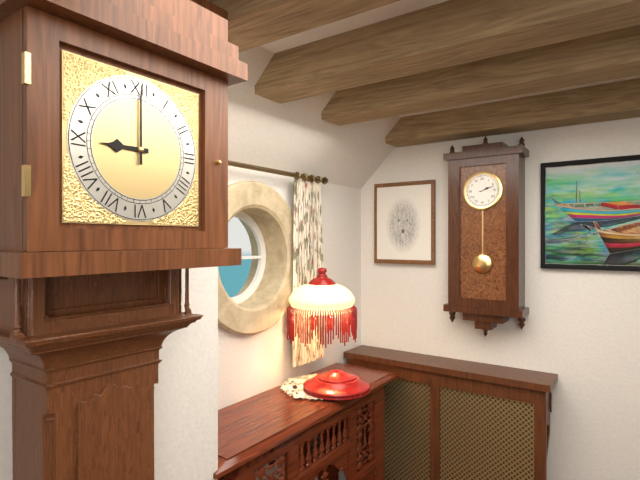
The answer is {"hour": 9, "minute": 0}
